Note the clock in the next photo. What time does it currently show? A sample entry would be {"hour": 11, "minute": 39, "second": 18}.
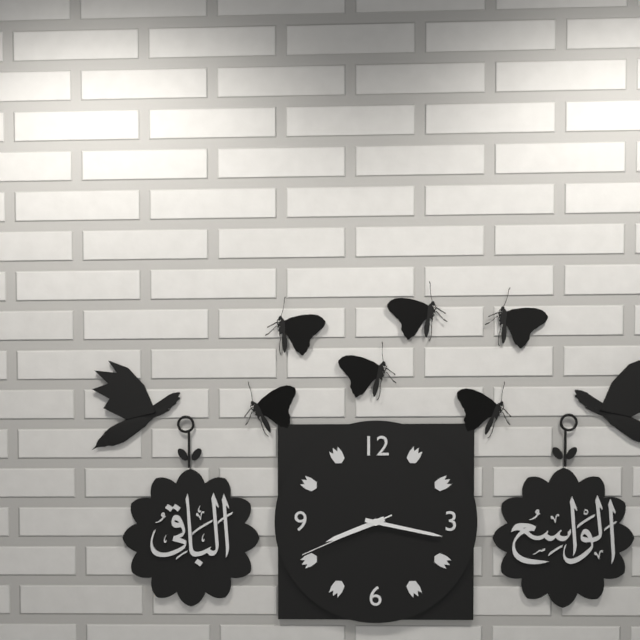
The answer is {"hour": 8, "minute": 17, "second": 41}
